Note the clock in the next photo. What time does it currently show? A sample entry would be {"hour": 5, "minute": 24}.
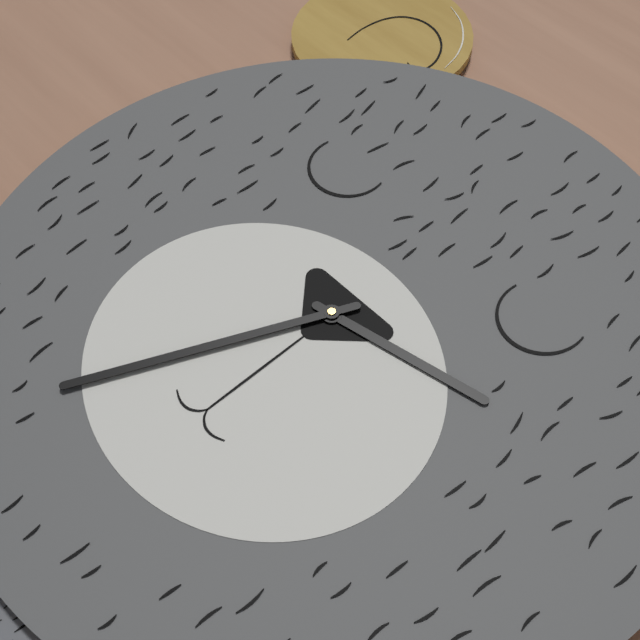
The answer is {"hour": 2, "minute": 34}
